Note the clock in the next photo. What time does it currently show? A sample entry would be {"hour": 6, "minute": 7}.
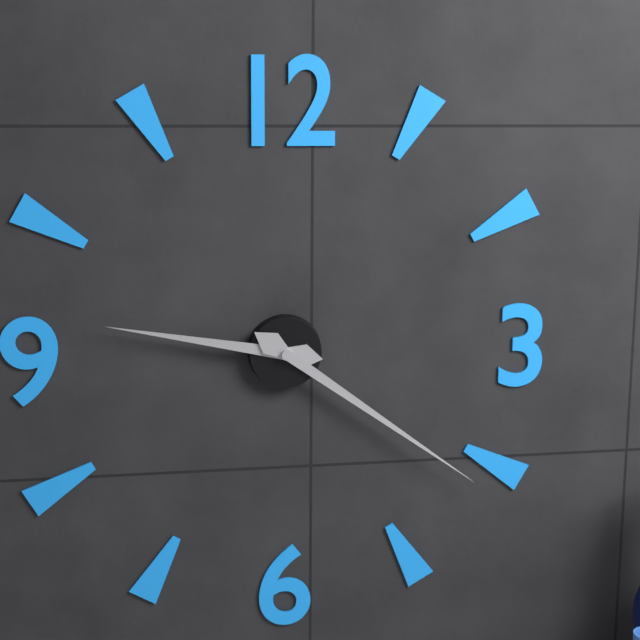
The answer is {"hour": 9, "minute": 21}
